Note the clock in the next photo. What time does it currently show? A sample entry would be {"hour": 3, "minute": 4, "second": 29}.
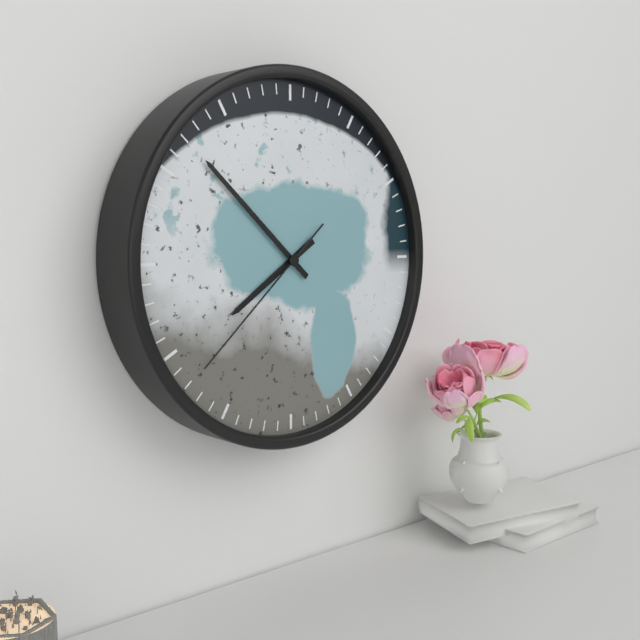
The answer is {"hour": 7, "minute": 52, "second": 38}
